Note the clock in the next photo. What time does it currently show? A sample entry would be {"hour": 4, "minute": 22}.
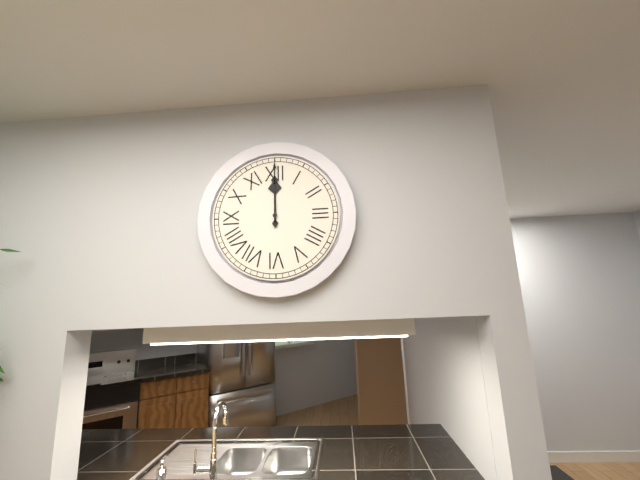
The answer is {"hour": 12, "minute": 0}
